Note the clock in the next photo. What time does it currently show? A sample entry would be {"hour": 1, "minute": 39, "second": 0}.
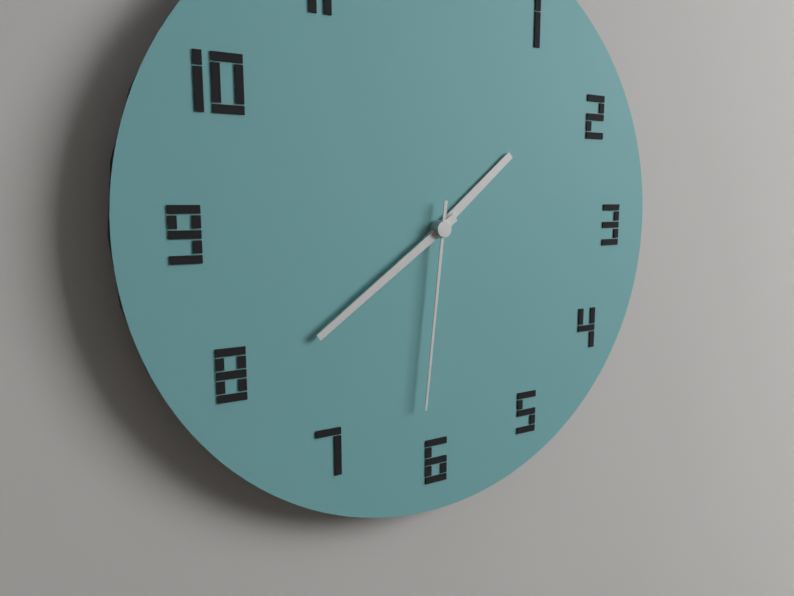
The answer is {"hour": 1, "minute": 39, "second": 31}
